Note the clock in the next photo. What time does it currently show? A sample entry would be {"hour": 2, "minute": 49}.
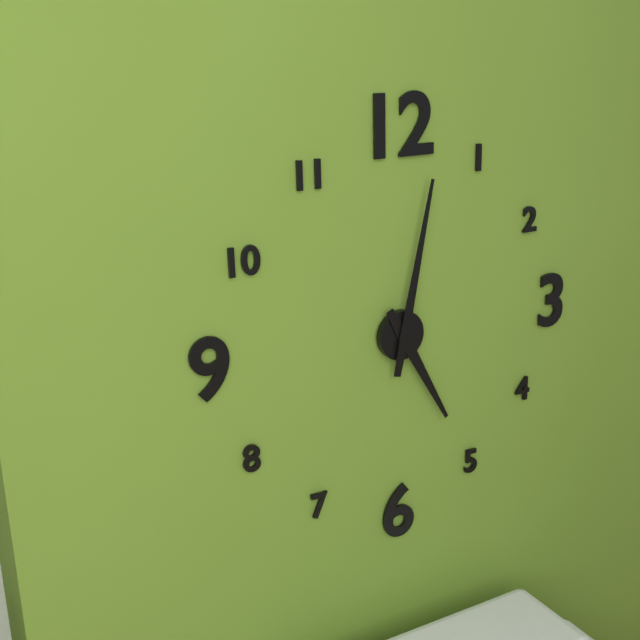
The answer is {"hour": 5, "minute": 2}
